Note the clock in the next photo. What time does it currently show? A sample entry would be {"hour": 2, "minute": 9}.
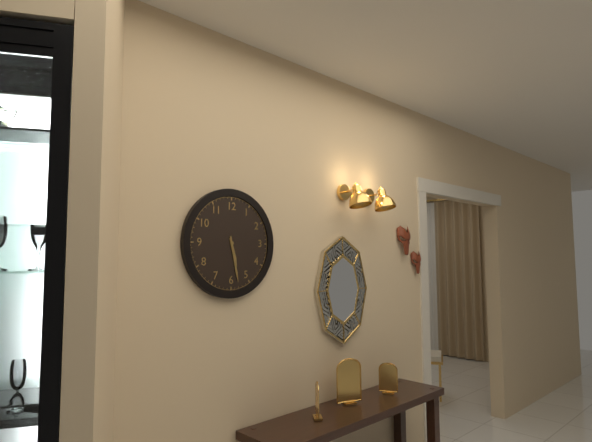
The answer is {"hour": 5, "minute": 28}
